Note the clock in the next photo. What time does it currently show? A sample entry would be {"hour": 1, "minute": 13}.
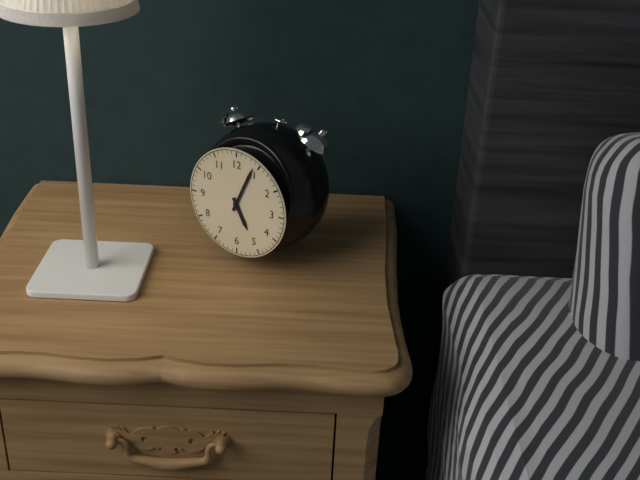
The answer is {"hour": 5, "minute": 4}
